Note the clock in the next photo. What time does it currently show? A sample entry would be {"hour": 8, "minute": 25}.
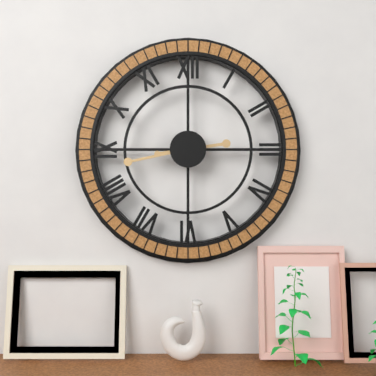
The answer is {"hour": 2, "minute": 43}
